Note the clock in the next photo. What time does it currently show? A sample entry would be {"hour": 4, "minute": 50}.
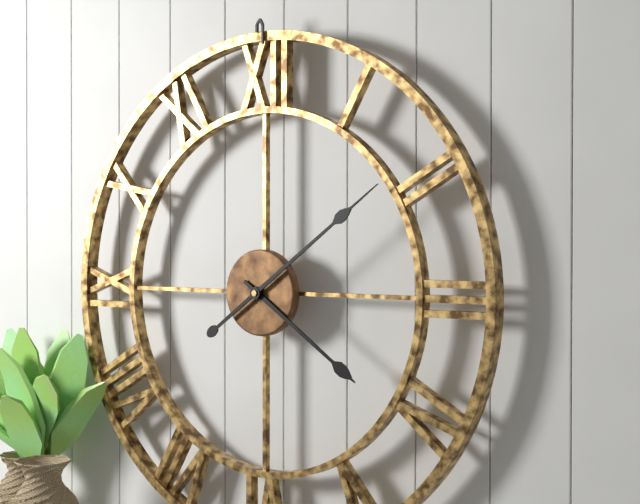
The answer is {"hour": 4, "minute": 9}
